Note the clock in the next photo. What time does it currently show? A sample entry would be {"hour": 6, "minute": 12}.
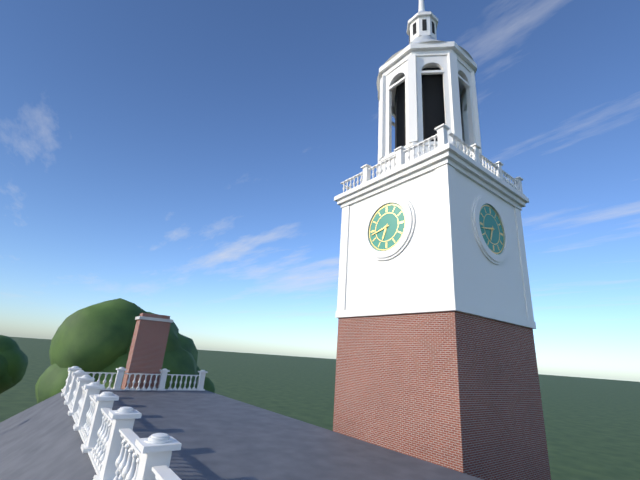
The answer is {"hour": 6, "minute": 43}
